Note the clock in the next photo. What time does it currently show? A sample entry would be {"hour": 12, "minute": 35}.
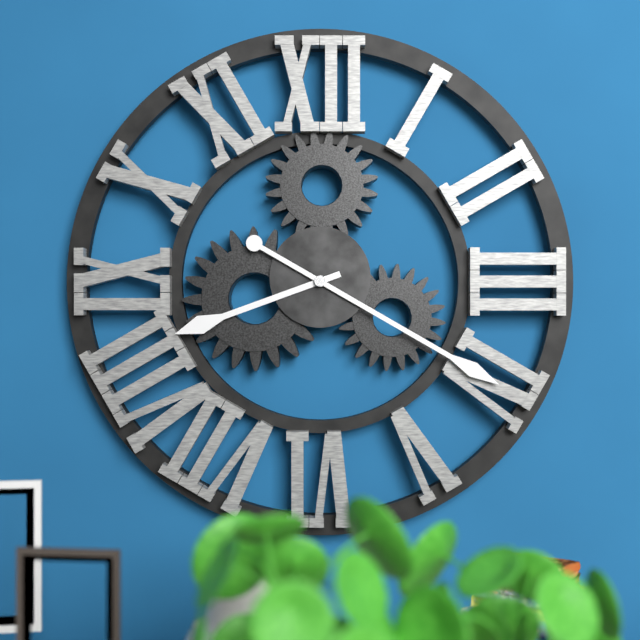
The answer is {"hour": 8, "minute": 20}
